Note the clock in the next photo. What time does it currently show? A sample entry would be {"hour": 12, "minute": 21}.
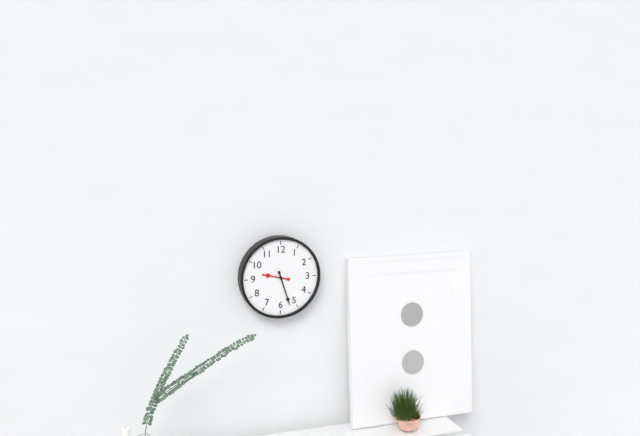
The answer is {"hour": 9, "minute": 27}
